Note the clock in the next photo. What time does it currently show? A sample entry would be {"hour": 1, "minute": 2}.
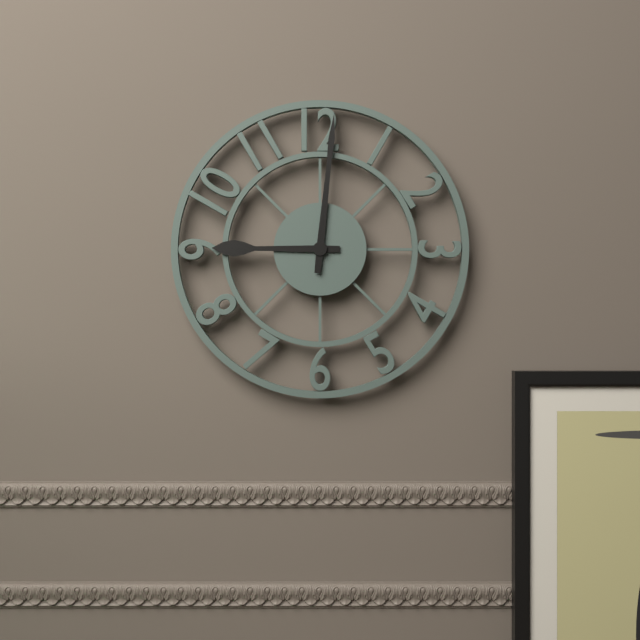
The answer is {"hour": 9, "minute": 1}
